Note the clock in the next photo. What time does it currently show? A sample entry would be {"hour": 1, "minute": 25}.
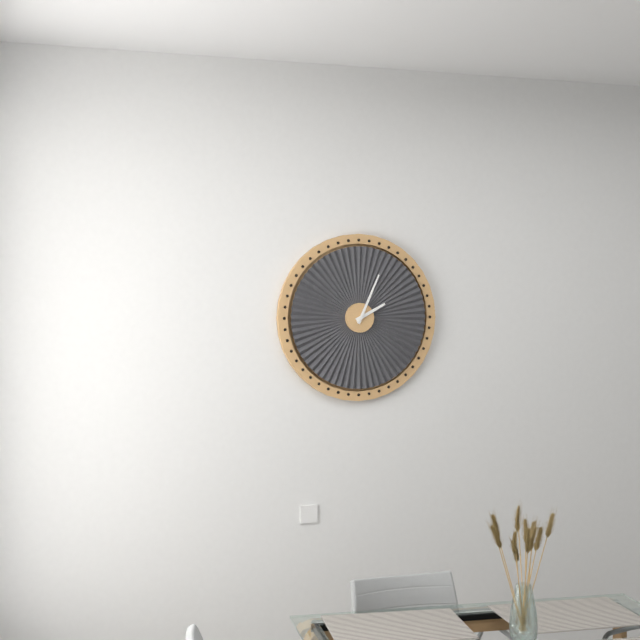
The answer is {"hour": 2, "minute": 4}
